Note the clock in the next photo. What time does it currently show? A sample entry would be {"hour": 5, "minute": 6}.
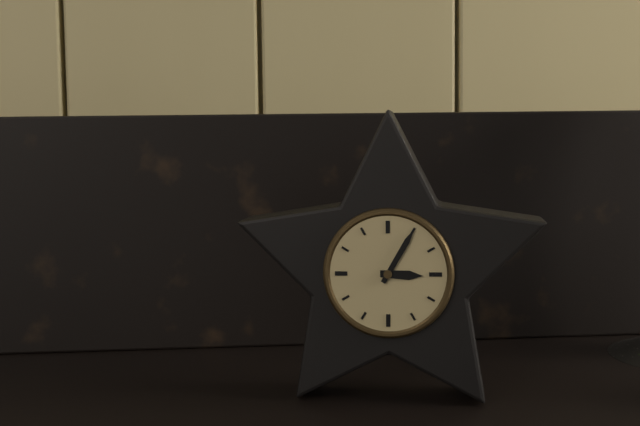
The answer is {"hour": 3, "minute": 5}
